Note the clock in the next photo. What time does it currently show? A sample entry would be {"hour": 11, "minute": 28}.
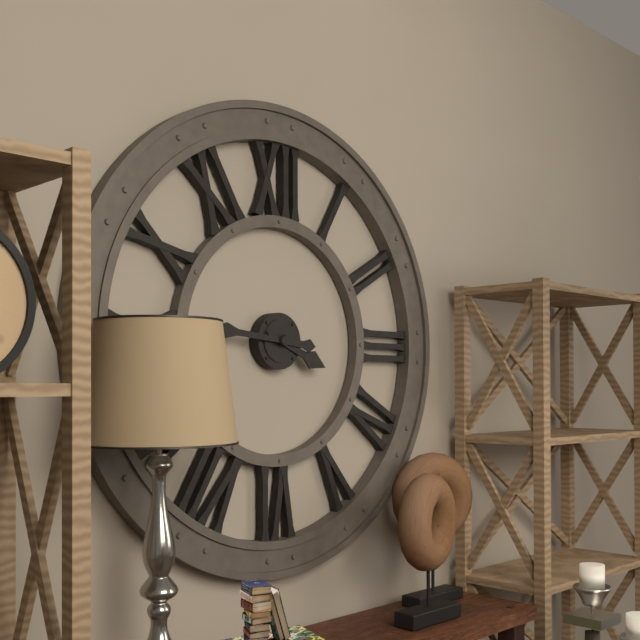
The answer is {"hour": 3, "minute": 46}
